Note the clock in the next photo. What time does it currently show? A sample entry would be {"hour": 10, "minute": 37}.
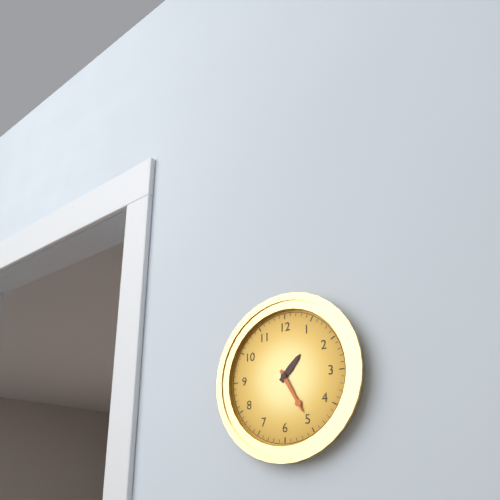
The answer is {"hour": 1, "minute": 25}
